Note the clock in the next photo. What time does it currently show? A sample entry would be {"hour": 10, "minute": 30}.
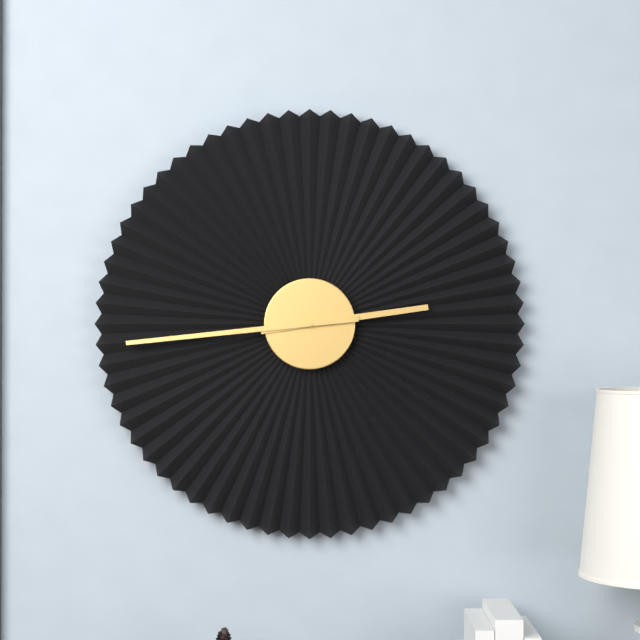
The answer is {"hour": 2, "minute": 44}
